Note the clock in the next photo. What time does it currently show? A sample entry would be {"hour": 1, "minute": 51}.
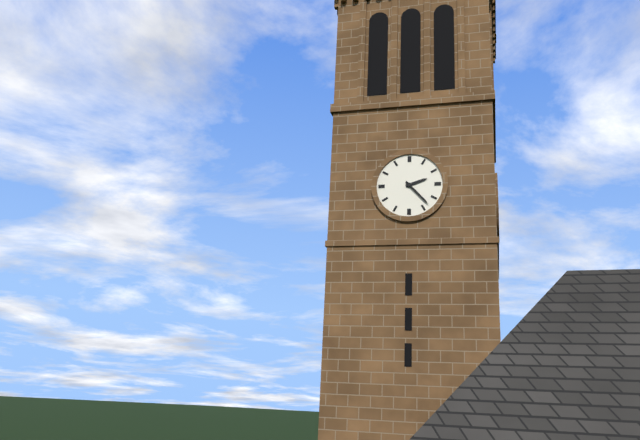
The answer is {"hour": 2, "minute": 23}
